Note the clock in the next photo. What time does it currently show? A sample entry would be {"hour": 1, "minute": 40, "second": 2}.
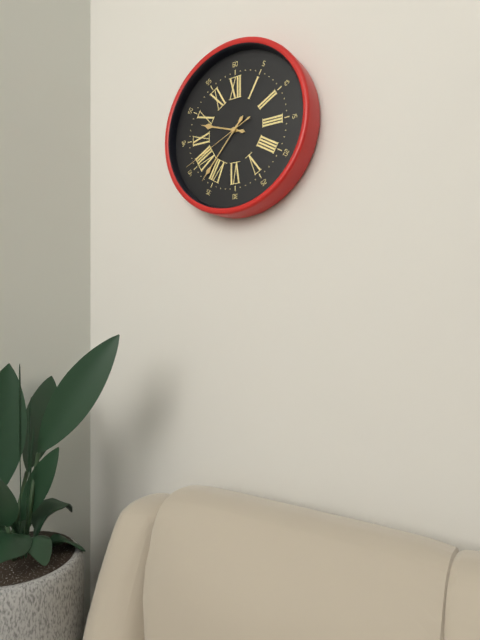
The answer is {"hour": 9, "minute": 37, "second": 41}
